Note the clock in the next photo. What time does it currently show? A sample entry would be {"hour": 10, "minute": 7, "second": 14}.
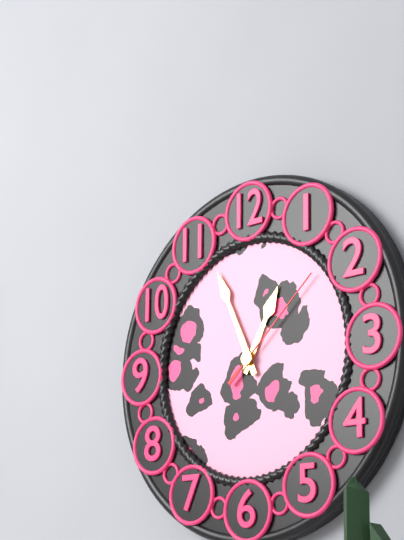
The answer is {"hour": 12, "minute": 56, "second": 8}
